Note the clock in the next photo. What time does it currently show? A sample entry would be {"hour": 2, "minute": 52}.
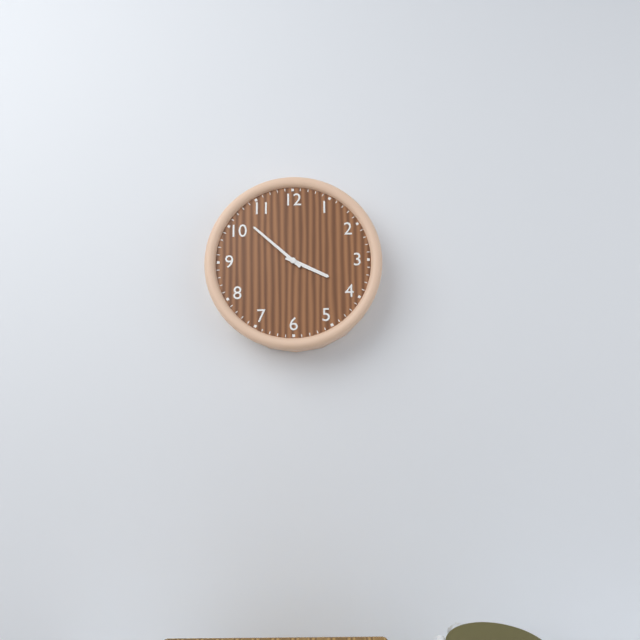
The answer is {"hour": 3, "minute": 52}
